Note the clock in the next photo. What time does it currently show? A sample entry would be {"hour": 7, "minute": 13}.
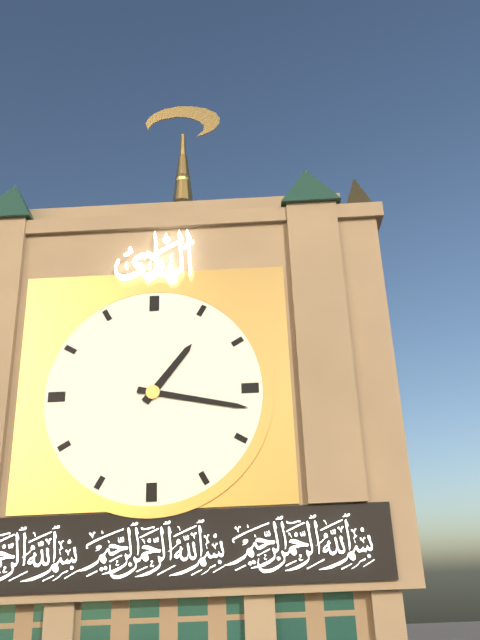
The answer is {"hour": 1, "minute": 17}
